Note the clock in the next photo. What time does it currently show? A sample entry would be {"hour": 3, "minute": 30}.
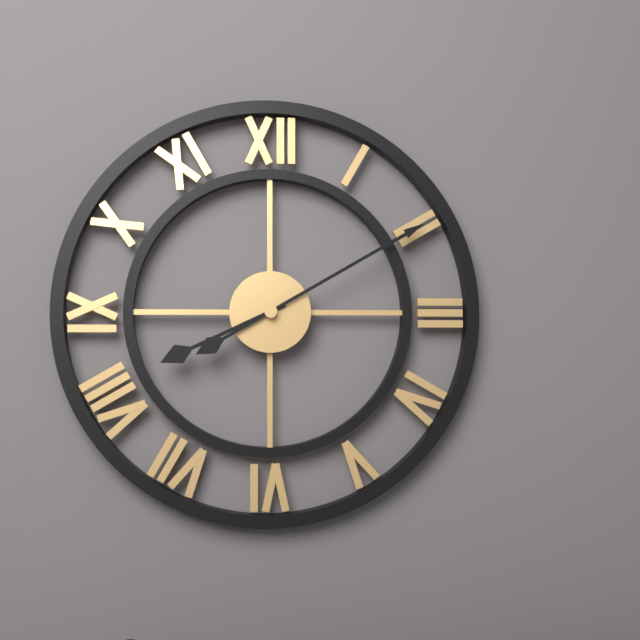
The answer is {"hour": 8, "minute": 10}
